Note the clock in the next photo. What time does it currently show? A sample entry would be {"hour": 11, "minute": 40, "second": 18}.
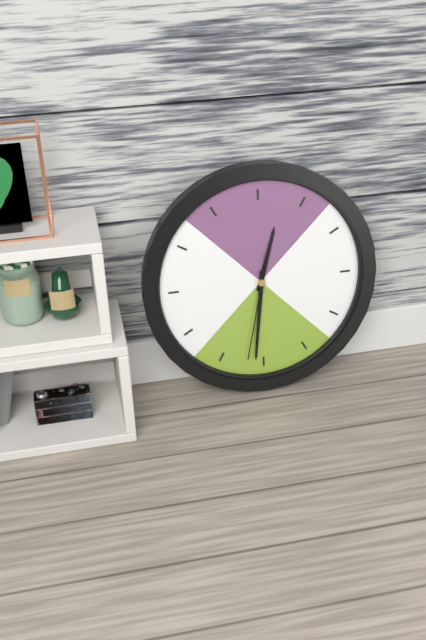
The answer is {"hour": 12, "minute": 31, "second": 32}
